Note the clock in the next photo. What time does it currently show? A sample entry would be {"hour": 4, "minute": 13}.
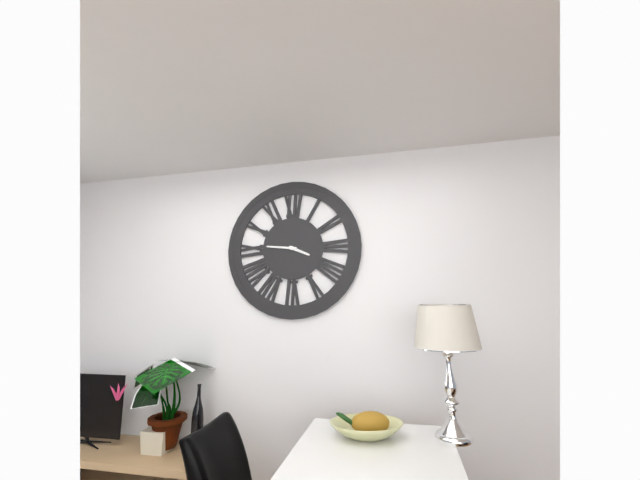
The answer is {"hour": 3, "minute": 46}
